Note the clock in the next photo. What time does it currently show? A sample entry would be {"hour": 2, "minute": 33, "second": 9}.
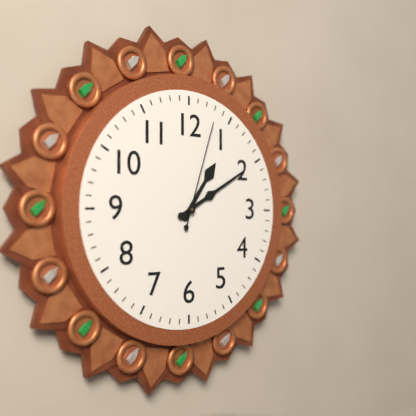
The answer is {"hour": 1, "minute": 10, "second": 3}
